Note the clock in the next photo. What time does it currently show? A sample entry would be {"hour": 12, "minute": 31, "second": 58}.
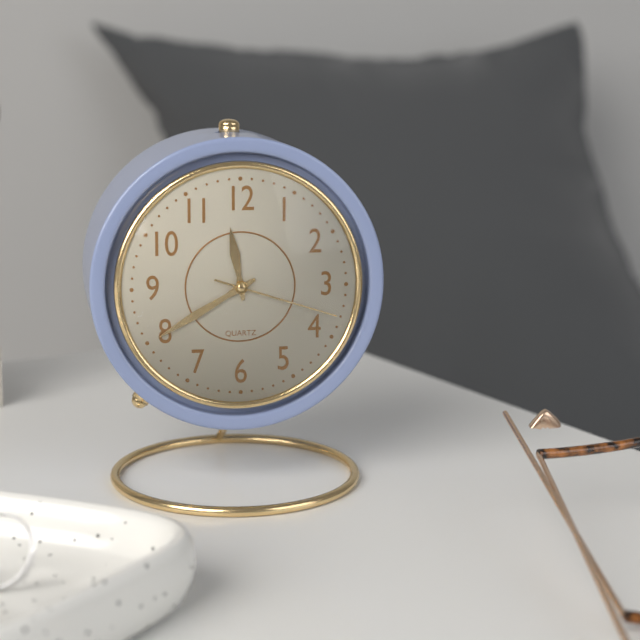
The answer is {"hour": 11, "minute": 40, "second": 18}
